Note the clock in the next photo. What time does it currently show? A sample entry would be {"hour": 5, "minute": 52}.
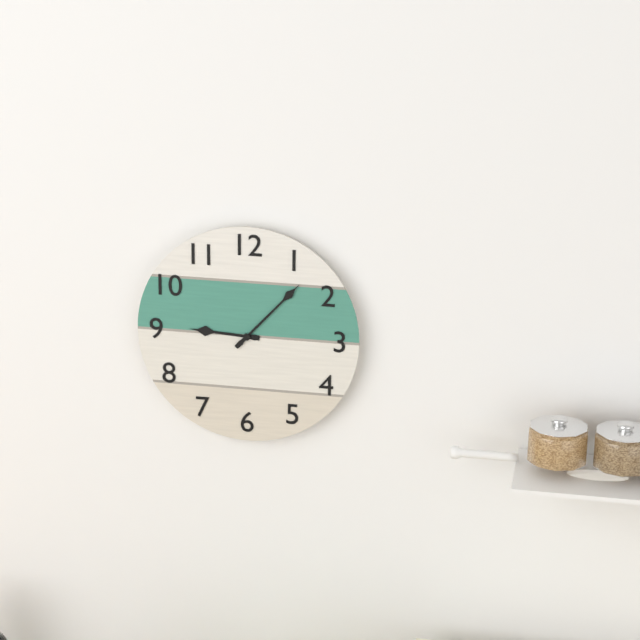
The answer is {"hour": 9, "minute": 7}
